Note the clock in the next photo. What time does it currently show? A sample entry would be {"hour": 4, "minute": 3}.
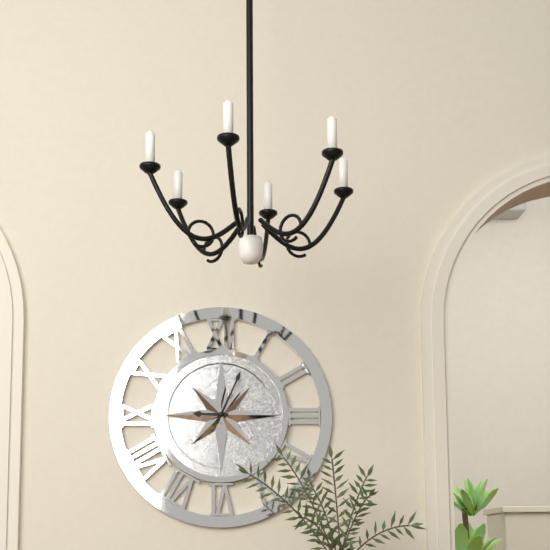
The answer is {"hour": 9, "minute": 4}
